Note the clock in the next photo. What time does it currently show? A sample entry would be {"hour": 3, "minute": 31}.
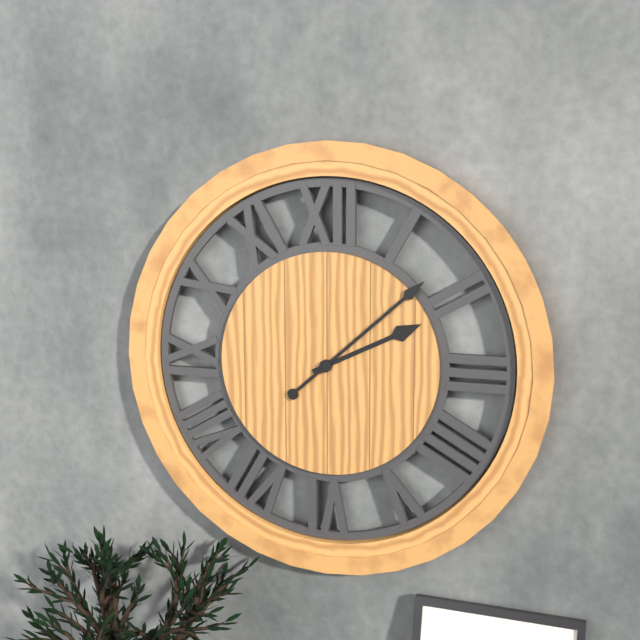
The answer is {"hour": 2, "minute": 8}
